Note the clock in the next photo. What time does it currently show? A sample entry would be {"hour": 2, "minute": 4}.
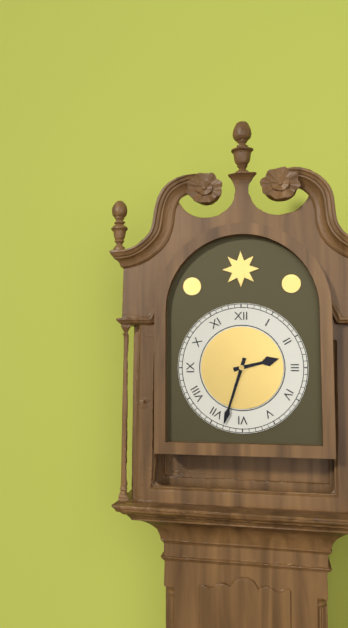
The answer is {"hour": 2, "minute": 33}
